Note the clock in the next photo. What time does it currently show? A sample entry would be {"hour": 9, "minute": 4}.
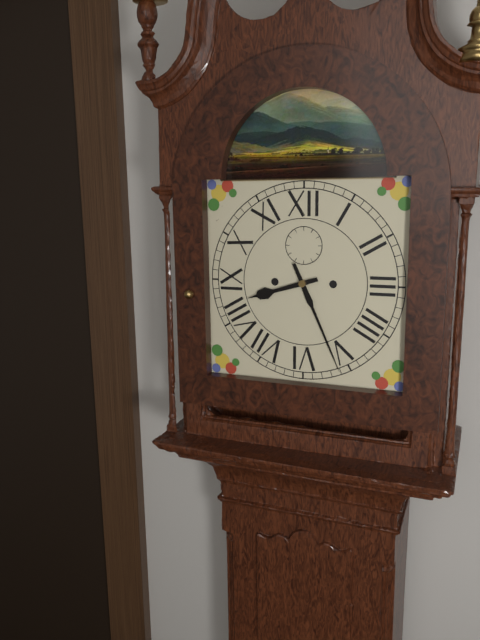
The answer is {"hour": 8, "minute": 26}
